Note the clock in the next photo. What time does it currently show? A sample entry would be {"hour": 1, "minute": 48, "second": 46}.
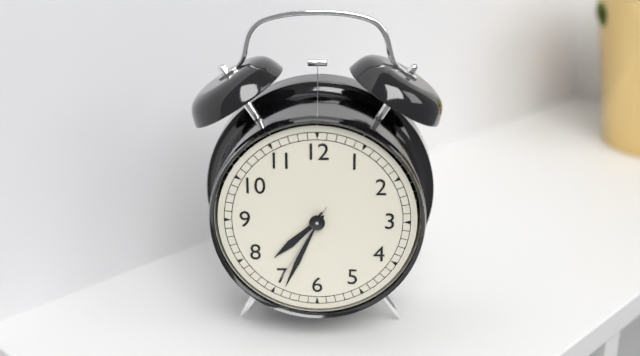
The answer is {"hour": 7, "minute": 34, "second": 35}
